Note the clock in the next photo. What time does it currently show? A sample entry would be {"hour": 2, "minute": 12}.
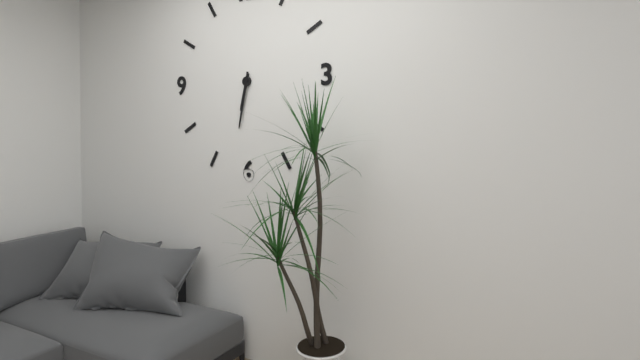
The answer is {"hour": 6, "minute": 32}
